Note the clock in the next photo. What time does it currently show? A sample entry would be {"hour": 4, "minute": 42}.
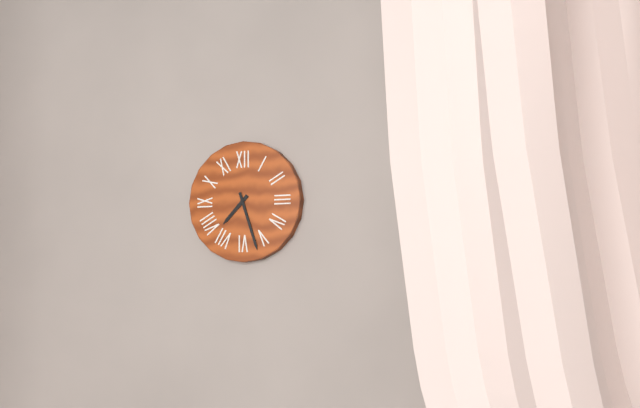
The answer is {"hour": 7, "minute": 27}
